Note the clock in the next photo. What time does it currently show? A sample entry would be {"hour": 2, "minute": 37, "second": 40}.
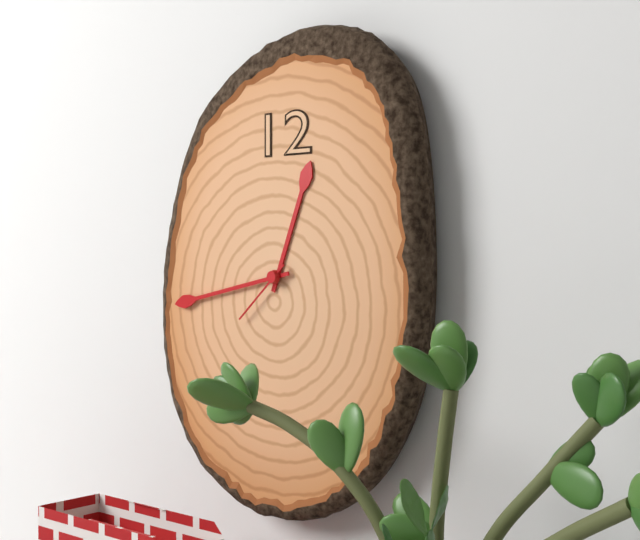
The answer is {"hour": 12, "minute": 43, "second": 38}
